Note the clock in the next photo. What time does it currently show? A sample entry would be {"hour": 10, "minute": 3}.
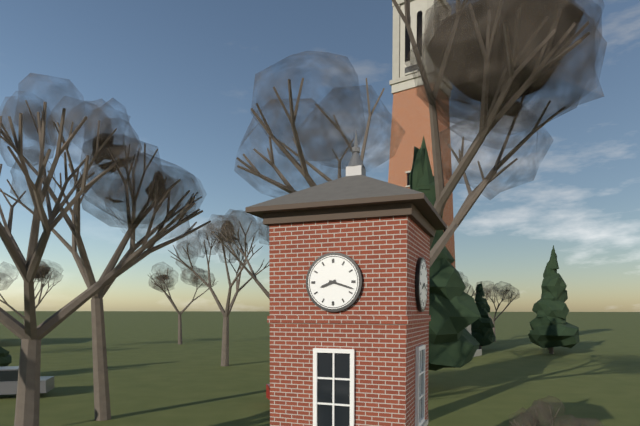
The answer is {"hour": 8, "minute": 18}
